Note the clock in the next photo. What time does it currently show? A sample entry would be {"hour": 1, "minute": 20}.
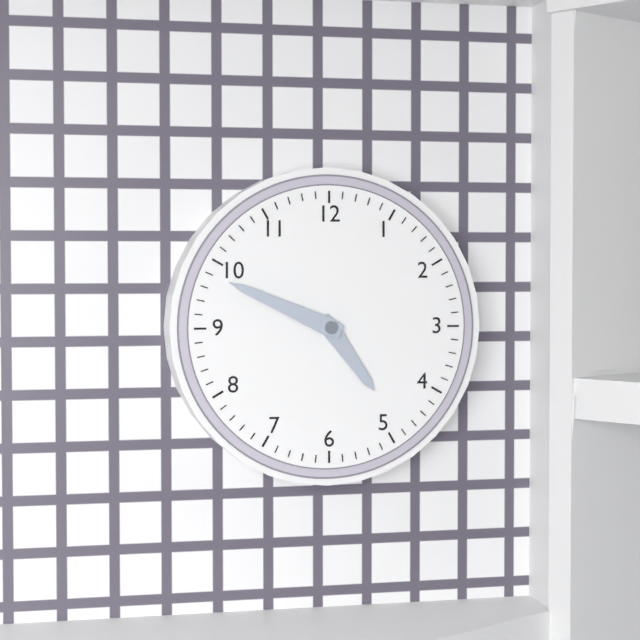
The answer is {"hour": 4, "minute": 49}
